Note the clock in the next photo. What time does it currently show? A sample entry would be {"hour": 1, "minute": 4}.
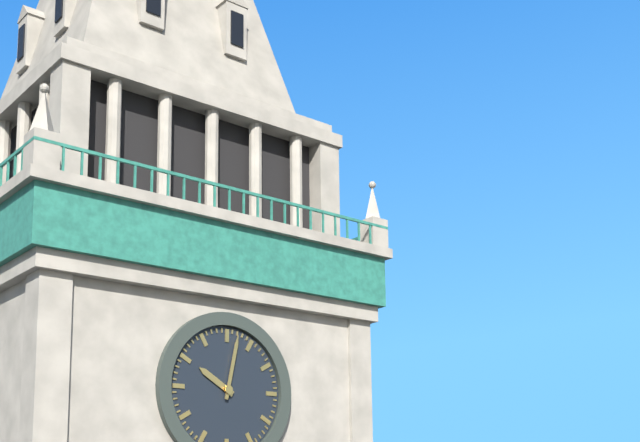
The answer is {"hour": 10, "minute": 2}
